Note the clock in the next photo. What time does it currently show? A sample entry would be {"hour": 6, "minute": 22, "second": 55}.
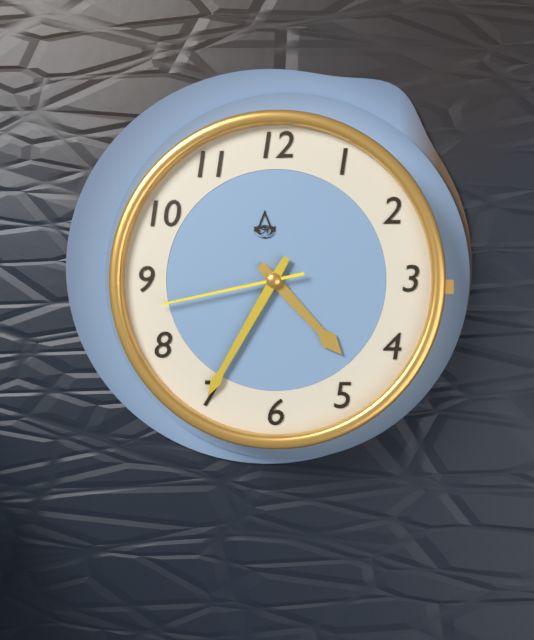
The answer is {"hour": 4, "minute": 35, "second": 43}
